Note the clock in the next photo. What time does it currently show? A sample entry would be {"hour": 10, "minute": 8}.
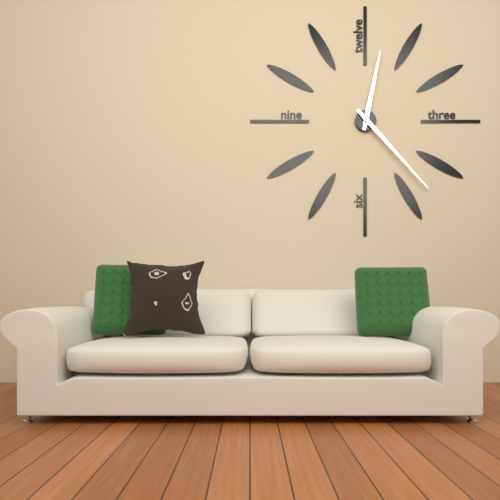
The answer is {"hour": 12, "minute": 23}
